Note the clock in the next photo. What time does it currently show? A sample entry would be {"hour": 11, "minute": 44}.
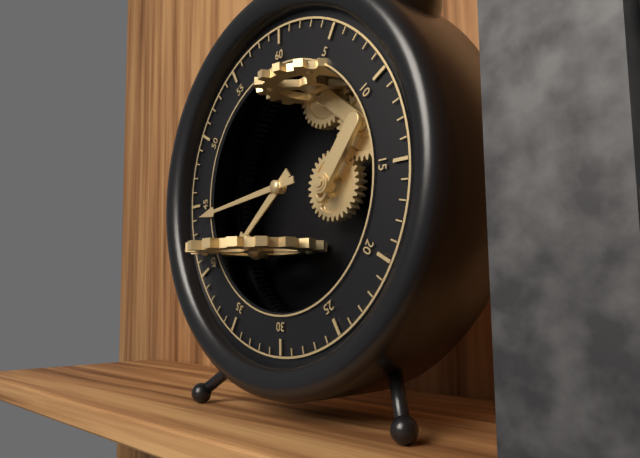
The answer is {"hour": 7, "minute": 44}
